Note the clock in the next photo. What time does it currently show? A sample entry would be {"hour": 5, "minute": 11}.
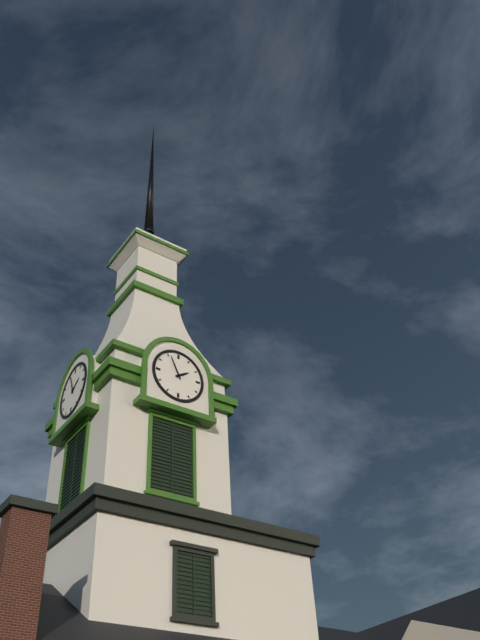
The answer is {"hour": 1, "minute": 56}
